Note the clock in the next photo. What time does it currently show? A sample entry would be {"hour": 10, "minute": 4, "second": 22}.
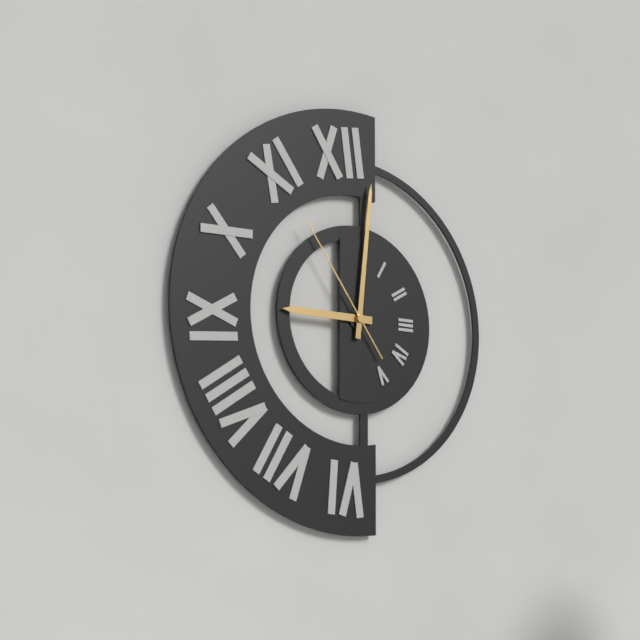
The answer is {"hour": 9, "minute": 1, "second": 54}
